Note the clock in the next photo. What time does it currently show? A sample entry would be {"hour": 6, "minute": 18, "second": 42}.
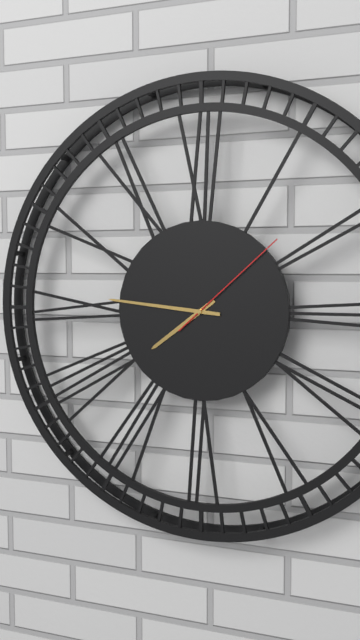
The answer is {"hour": 7, "minute": 46, "second": 8}
